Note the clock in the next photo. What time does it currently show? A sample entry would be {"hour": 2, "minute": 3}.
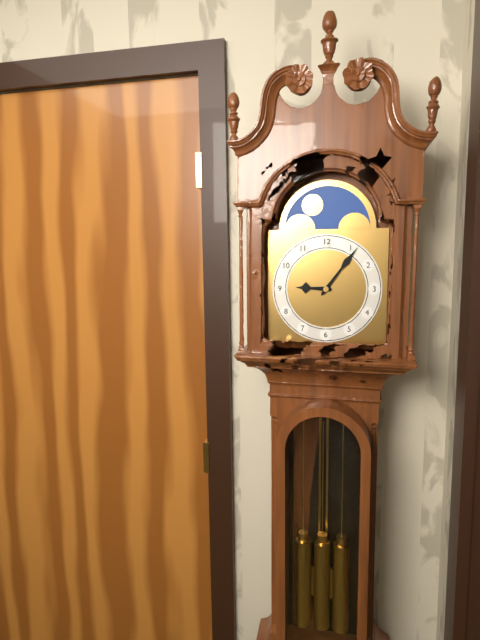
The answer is {"hour": 9, "minute": 6}
